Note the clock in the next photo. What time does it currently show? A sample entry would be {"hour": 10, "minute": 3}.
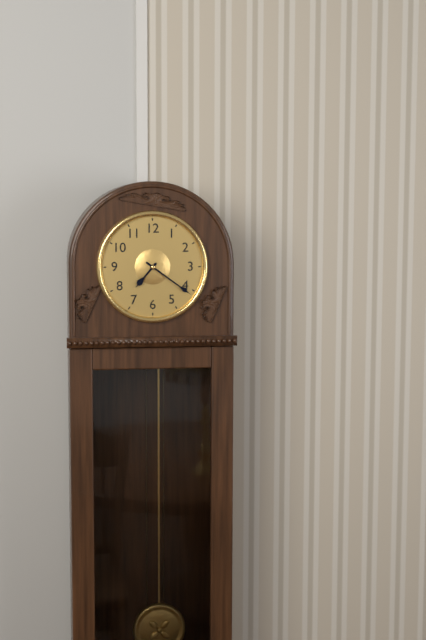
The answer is {"hour": 7, "minute": 21}
